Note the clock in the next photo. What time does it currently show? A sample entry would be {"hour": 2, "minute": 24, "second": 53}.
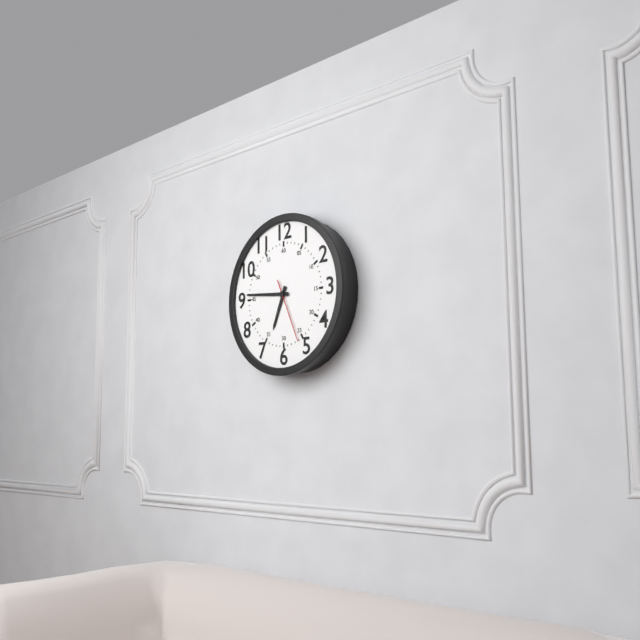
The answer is {"hour": 6, "minute": 46, "second": 26}
